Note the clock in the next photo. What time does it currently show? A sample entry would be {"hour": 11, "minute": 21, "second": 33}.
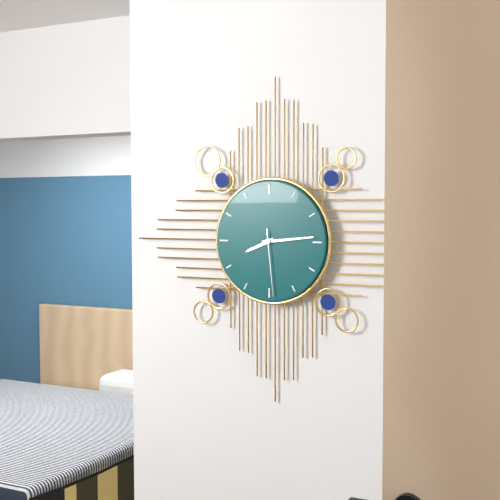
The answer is {"hour": 8, "minute": 14, "second": 29}
